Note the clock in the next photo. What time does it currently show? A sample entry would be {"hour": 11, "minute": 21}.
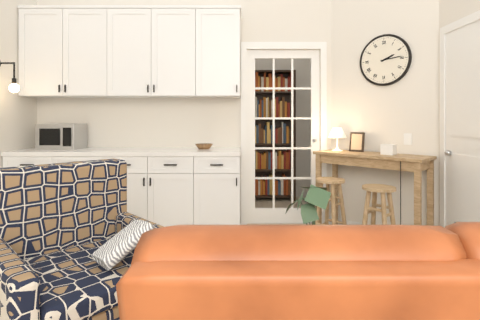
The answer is {"hour": 2, "minute": 14}
